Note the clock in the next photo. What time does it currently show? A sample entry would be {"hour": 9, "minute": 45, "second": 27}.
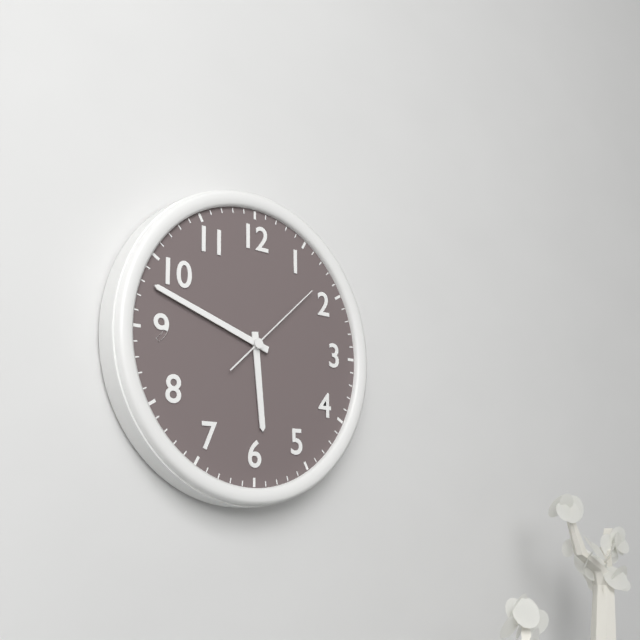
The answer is {"hour": 5, "minute": 48, "second": 8}
